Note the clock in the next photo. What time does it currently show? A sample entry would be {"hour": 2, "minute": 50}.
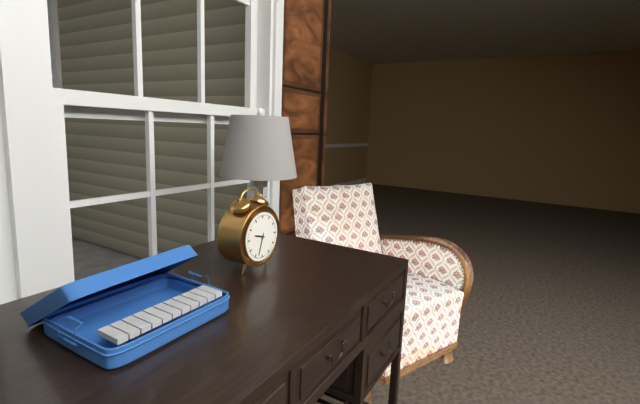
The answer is {"hour": 9, "minute": 33}
